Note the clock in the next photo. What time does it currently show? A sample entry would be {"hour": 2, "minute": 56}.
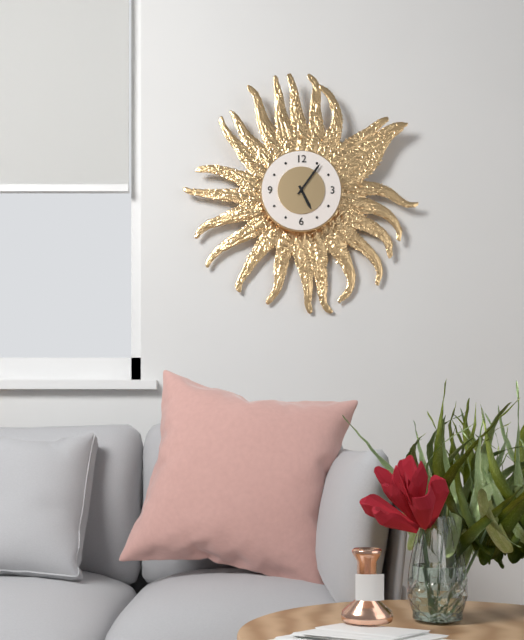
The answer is {"hour": 5, "minute": 6}
